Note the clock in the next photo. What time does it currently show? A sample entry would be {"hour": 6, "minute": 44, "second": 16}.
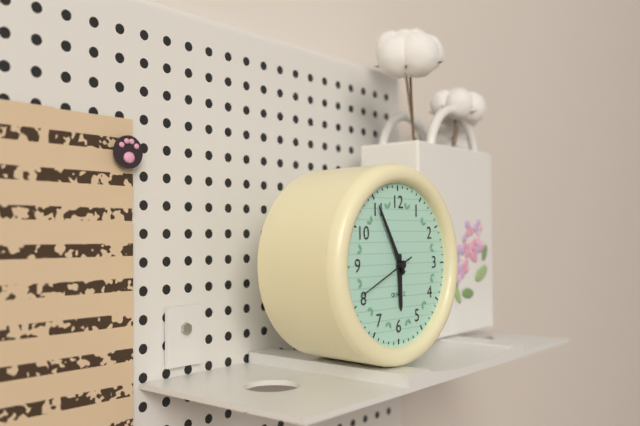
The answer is {"hour": 5, "minute": 55, "second": 41}
